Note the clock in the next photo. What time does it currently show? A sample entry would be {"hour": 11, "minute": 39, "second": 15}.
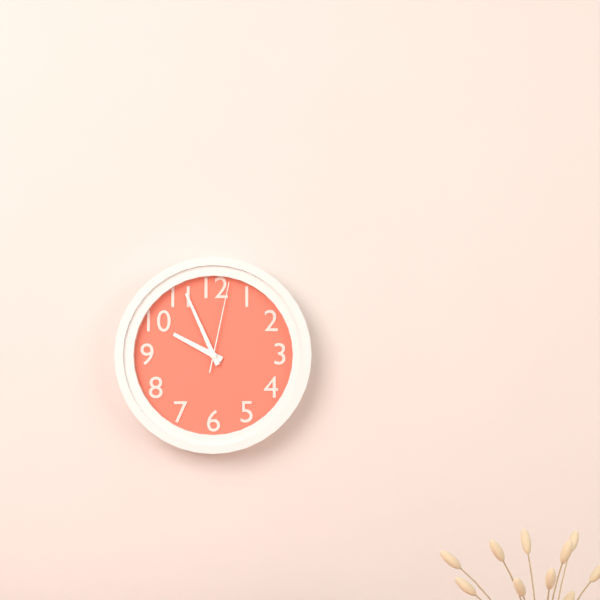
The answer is {"hour": 9, "minute": 56, "second": 2}
